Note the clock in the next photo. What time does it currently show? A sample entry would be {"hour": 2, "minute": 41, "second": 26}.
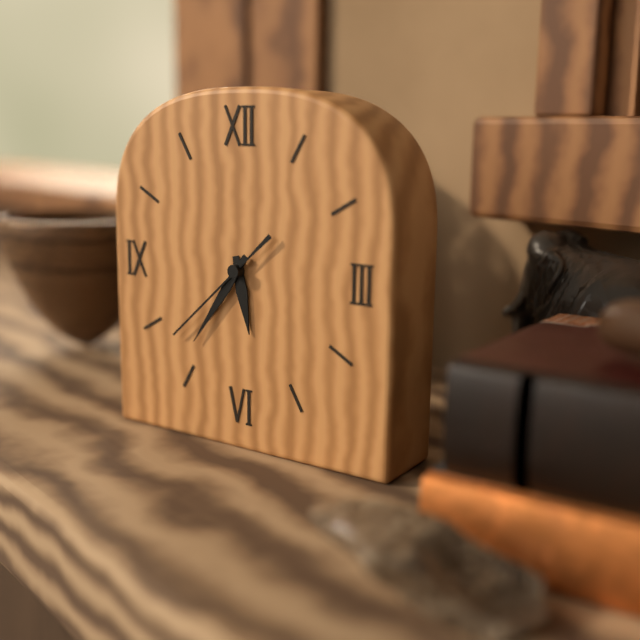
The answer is {"hour": 5, "minute": 36, "second": 38}
